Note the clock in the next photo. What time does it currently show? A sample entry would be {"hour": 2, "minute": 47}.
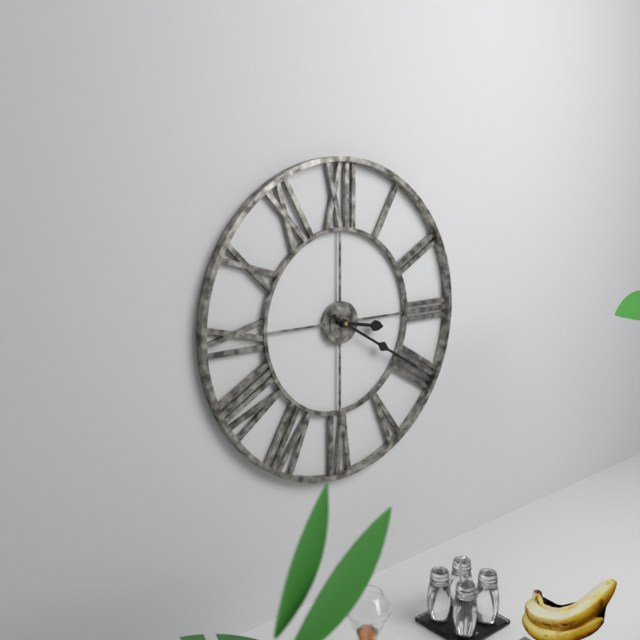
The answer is {"hour": 3, "minute": 20}
